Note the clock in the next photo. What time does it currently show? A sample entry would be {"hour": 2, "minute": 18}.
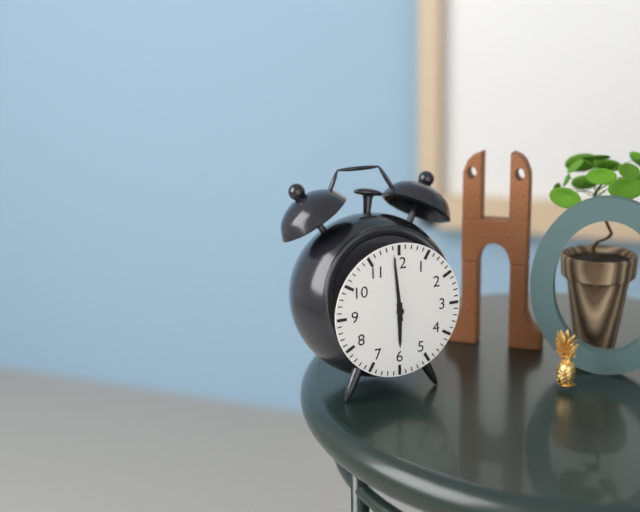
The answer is {"hour": 5, "minute": 59}
